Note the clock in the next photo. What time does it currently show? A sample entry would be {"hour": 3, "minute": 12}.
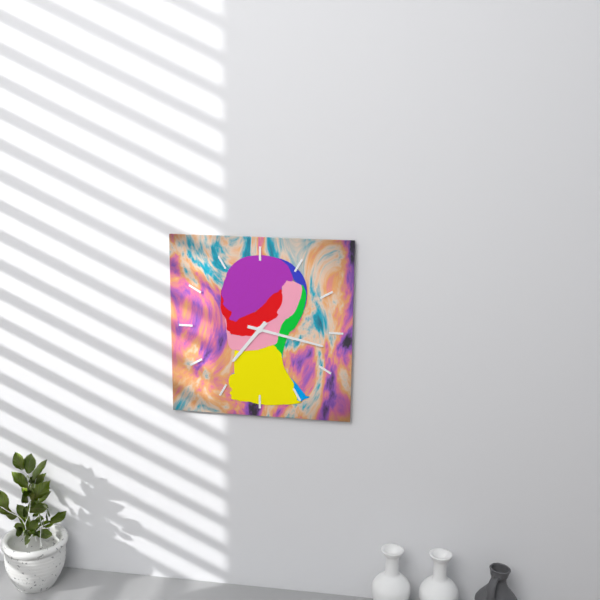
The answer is {"hour": 7, "minute": 17}
